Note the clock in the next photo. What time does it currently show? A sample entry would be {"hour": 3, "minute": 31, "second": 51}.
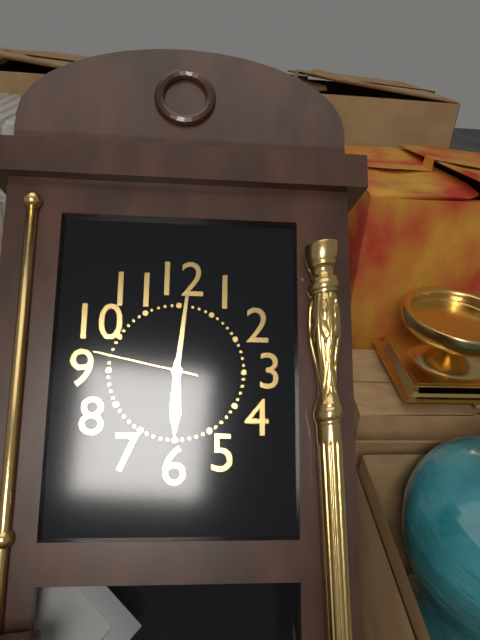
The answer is {"hour": 6, "minute": 1, "second": 47}
